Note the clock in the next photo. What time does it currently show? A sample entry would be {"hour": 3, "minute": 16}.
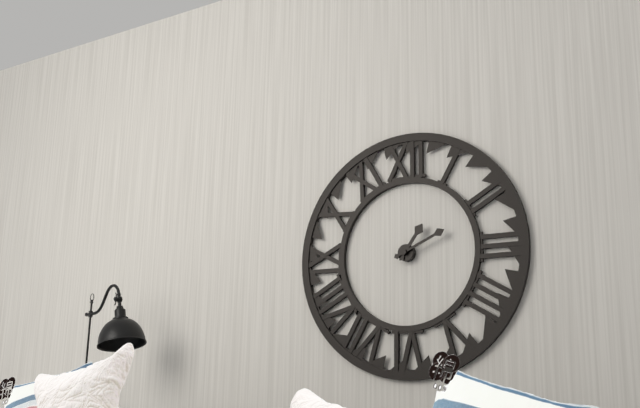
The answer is {"hour": 1, "minute": 11}
